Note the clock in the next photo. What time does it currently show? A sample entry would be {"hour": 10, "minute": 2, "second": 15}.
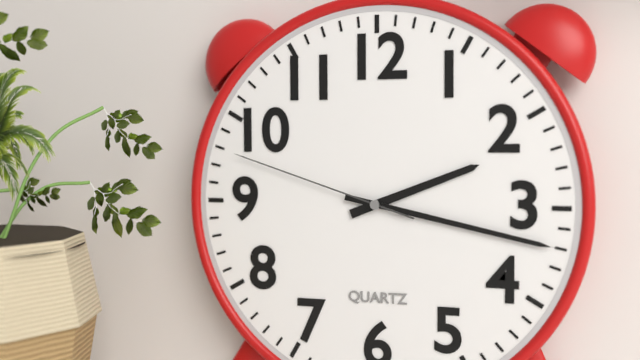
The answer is {"hour": 2, "minute": 17, "second": 48}
